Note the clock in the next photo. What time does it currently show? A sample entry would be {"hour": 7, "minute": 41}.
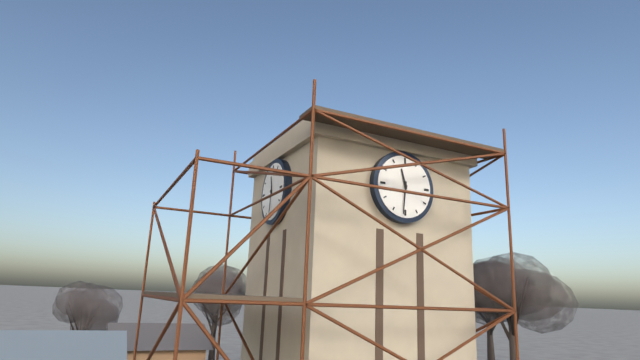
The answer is {"hour": 11, "minute": 31}
